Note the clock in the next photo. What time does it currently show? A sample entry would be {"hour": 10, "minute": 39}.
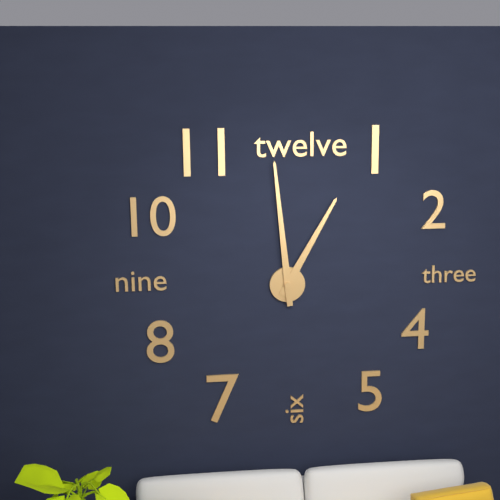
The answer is {"hour": 12, "minute": 59}
